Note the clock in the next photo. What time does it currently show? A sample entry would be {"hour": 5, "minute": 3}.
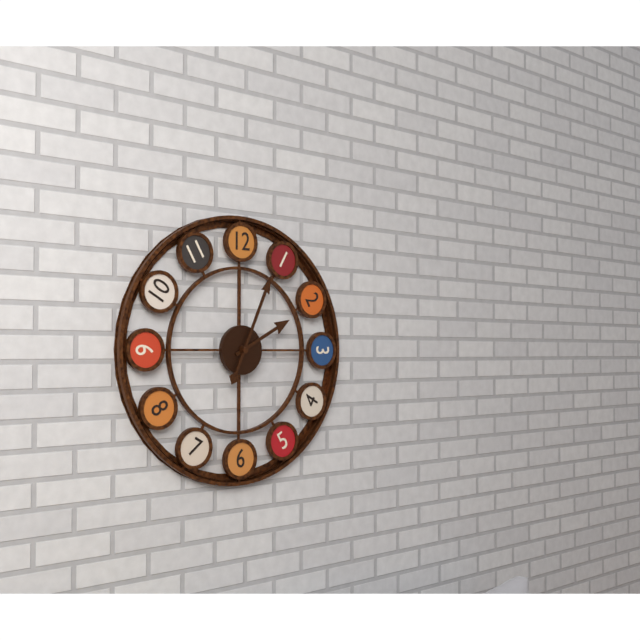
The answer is {"hour": 2, "minute": 4}
